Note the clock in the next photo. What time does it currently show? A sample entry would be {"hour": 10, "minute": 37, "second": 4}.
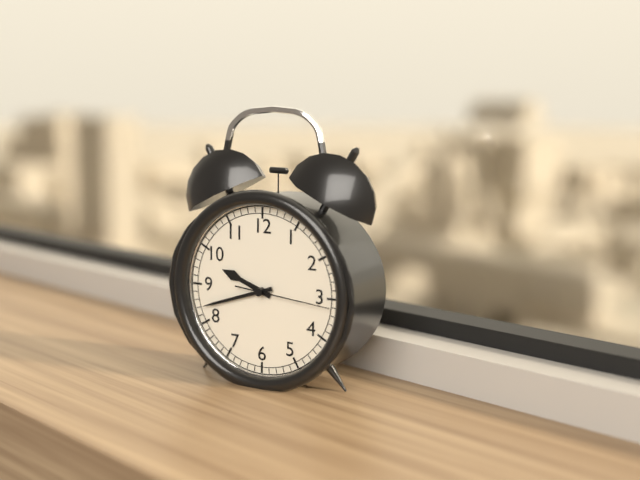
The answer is {"hour": 9, "minute": 42, "second": 16}
